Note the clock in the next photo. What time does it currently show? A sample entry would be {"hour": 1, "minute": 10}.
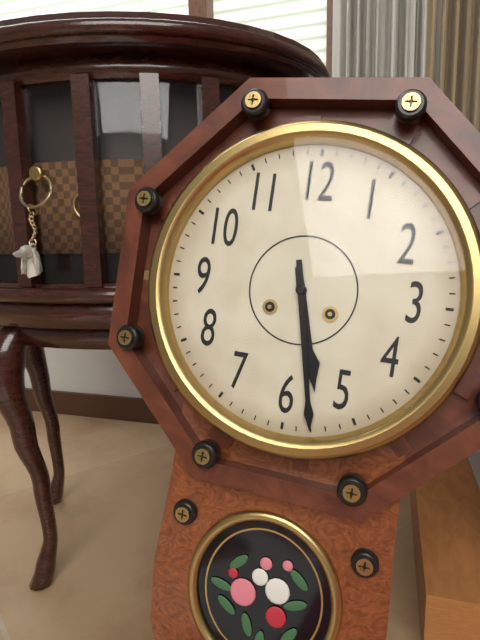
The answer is {"hour": 5, "minute": 28}
